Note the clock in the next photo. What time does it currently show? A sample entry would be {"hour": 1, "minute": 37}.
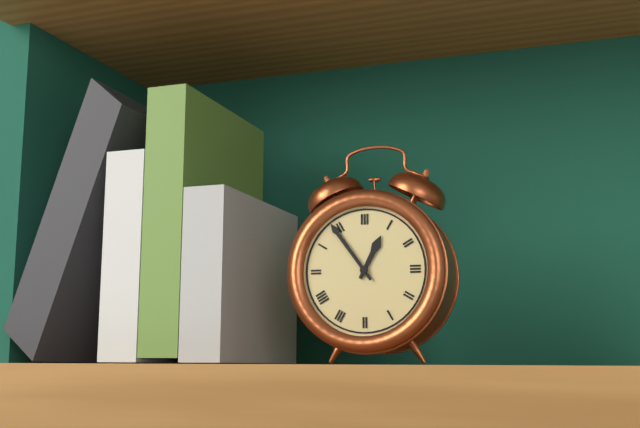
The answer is {"hour": 12, "minute": 54}
